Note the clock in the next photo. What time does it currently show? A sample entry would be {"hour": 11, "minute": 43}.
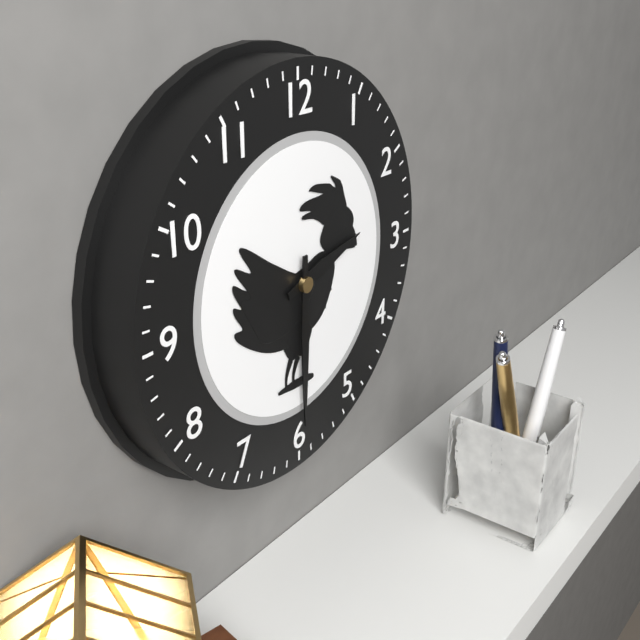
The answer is {"hour": 2, "minute": 30}
